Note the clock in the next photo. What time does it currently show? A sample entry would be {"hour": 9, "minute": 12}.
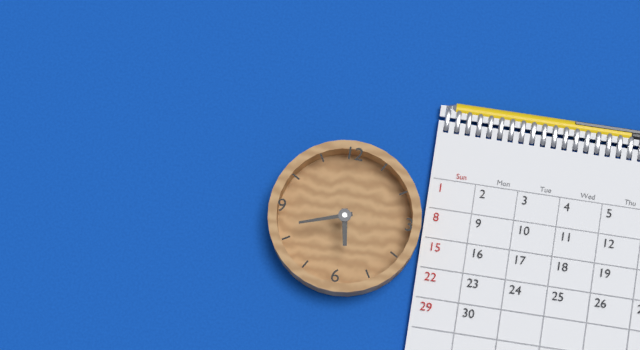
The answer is {"hour": 5, "minute": 42}
